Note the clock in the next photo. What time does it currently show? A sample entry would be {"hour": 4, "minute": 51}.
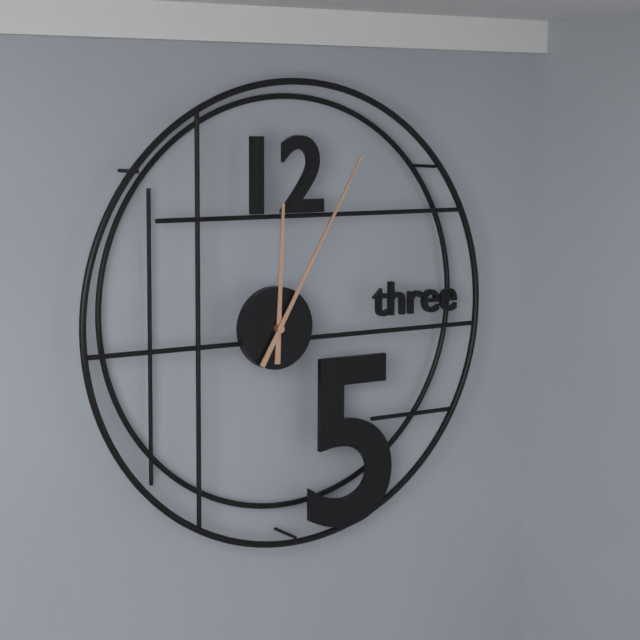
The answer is {"hour": 12, "minute": 5}
